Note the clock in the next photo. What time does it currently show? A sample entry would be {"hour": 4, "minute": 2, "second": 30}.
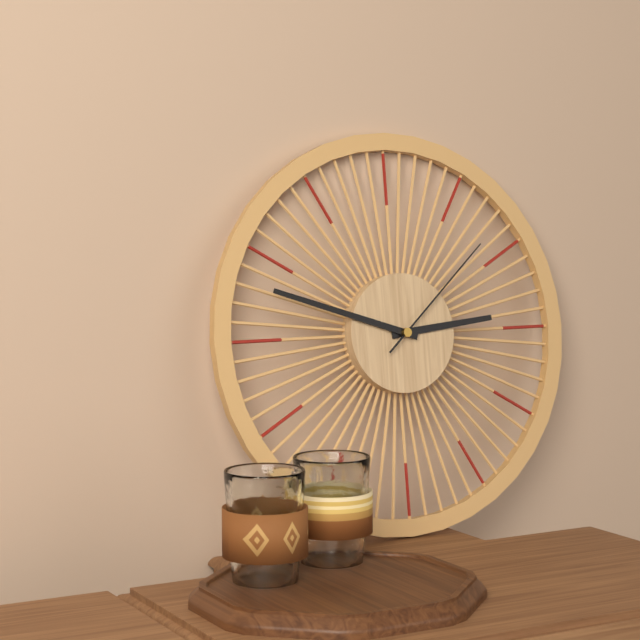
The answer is {"hour": 2, "minute": 48, "second": 8}
